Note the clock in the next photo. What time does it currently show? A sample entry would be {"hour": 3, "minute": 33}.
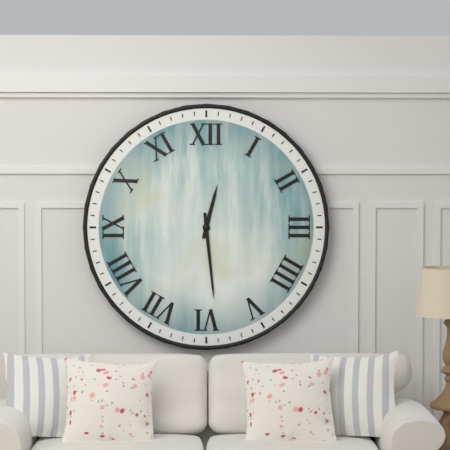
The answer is {"hour": 12, "minute": 29}
